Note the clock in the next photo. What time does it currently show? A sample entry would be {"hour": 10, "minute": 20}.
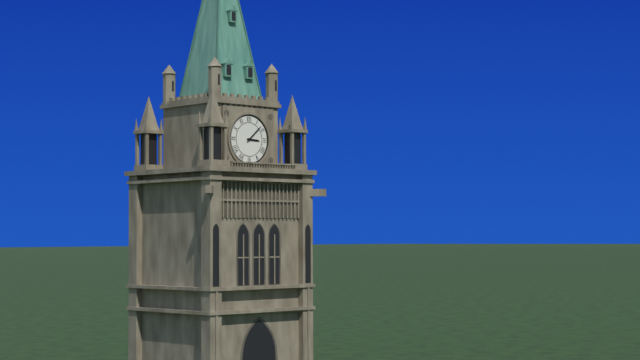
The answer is {"hour": 3, "minute": 8}
